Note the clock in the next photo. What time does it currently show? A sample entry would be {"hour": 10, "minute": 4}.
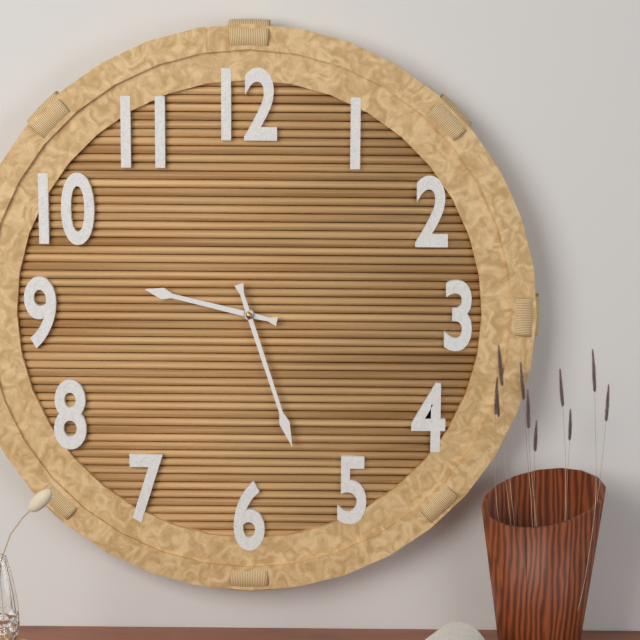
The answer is {"hour": 9, "minute": 27}
